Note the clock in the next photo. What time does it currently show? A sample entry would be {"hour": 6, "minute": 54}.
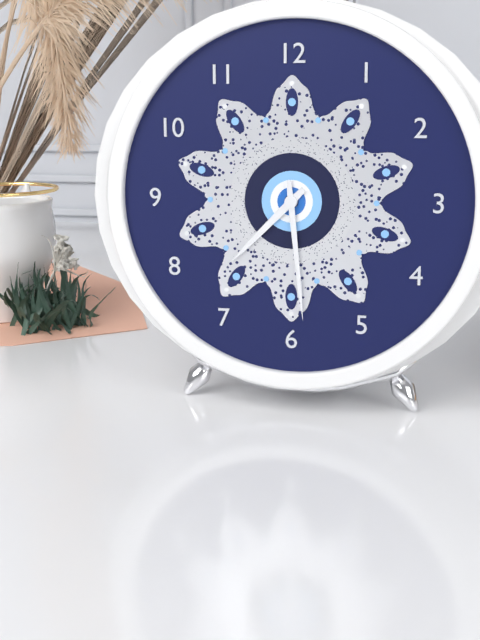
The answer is {"hour": 7, "minute": 29}
